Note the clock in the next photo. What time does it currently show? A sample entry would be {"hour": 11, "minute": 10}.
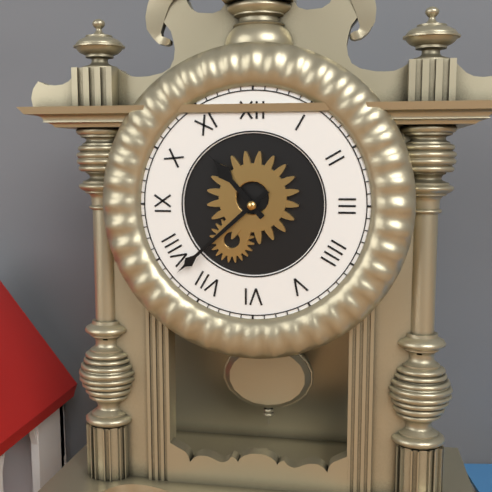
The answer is {"hour": 10, "minute": 38}
